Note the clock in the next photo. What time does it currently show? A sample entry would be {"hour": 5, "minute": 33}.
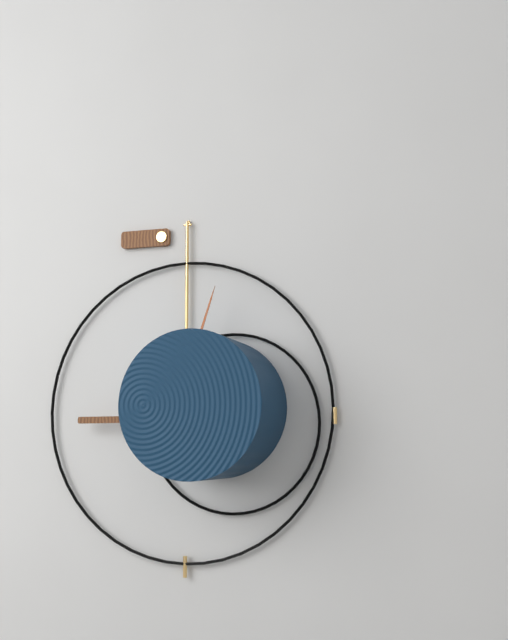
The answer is {"hour": 2, "minute": 3}
